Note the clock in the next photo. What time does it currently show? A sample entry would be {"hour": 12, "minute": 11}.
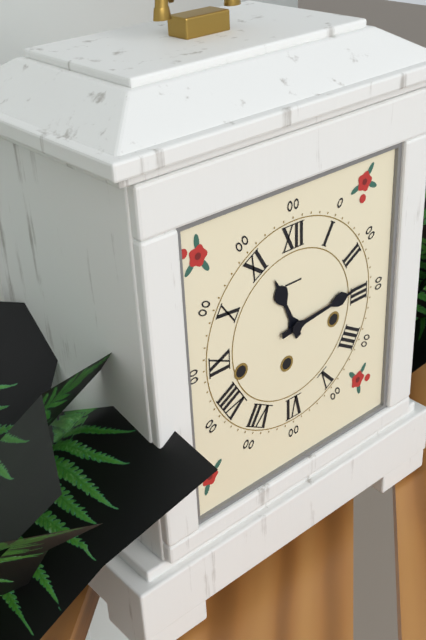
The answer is {"hour": 11, "minute": 14}
